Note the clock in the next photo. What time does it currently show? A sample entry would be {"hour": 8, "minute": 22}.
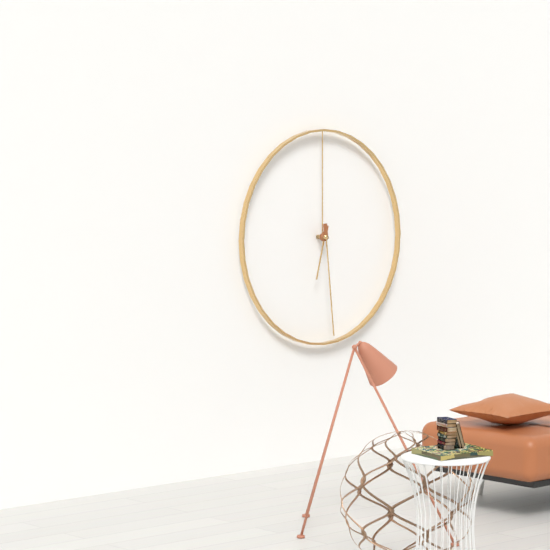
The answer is {"hour": 6, "minute": 29}
